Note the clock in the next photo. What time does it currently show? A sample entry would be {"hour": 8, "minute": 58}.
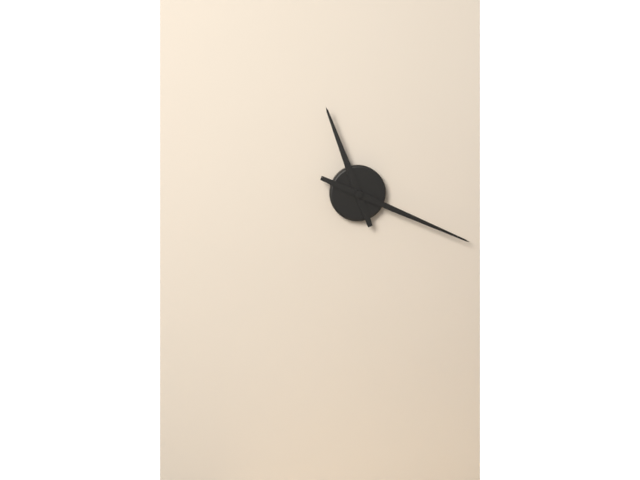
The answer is {"hour": 11, "minute": 19}
